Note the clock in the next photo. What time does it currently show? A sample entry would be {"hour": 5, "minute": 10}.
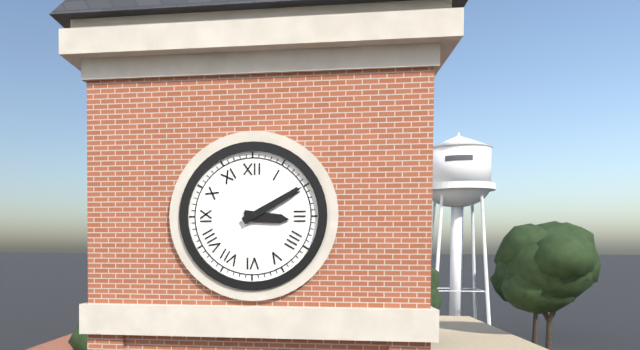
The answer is {"hour": 3, "minute": 10}
